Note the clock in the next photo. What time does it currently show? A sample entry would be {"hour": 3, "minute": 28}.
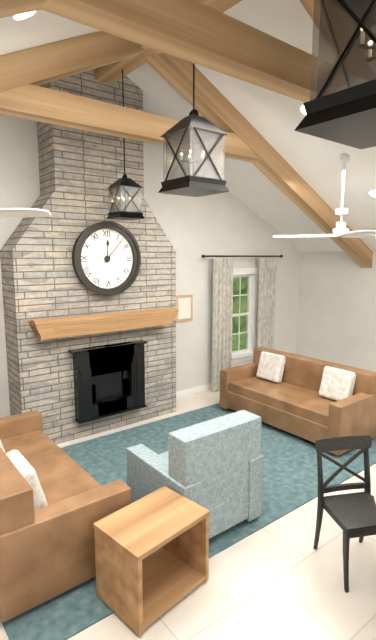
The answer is {"hour": 12, "minute": 7}
